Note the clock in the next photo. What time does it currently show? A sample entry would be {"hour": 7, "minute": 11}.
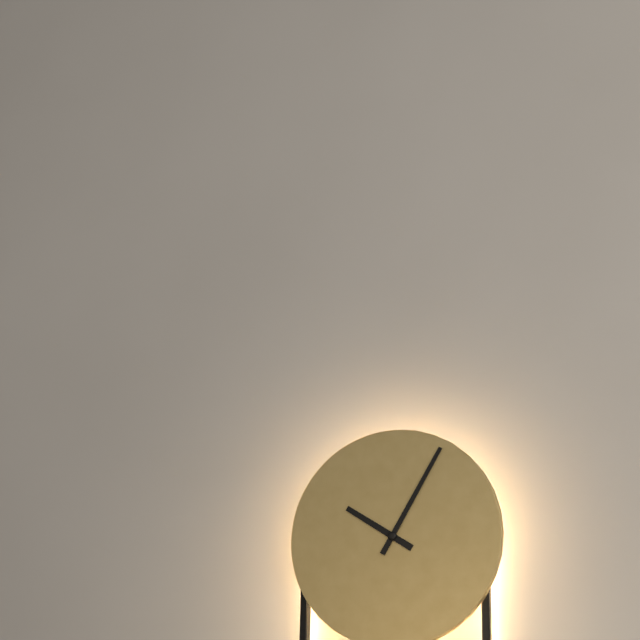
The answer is {"hour": 10, "minute": 5}
